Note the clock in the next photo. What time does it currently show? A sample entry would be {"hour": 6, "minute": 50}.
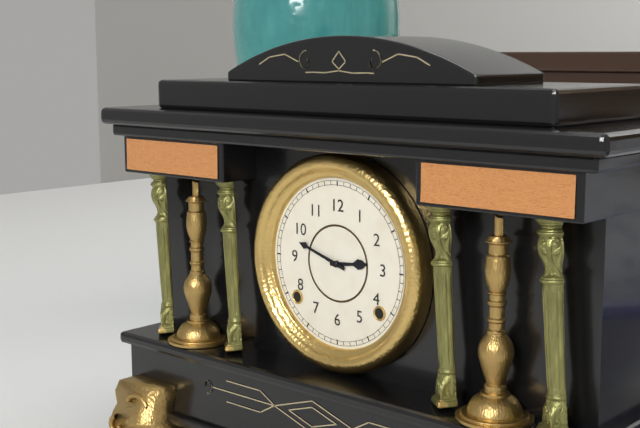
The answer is {"hour": 2, "minute": 48}
